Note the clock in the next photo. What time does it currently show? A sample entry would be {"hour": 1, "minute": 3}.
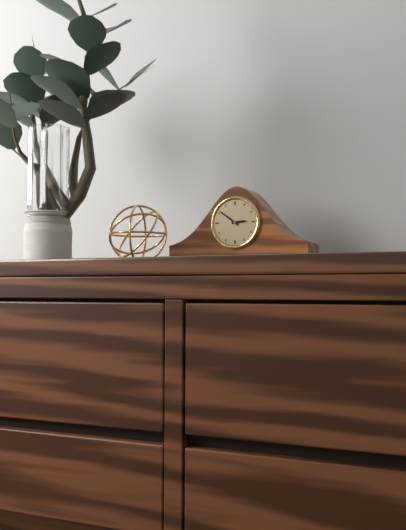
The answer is {"hour": 2, "minute": 51}
